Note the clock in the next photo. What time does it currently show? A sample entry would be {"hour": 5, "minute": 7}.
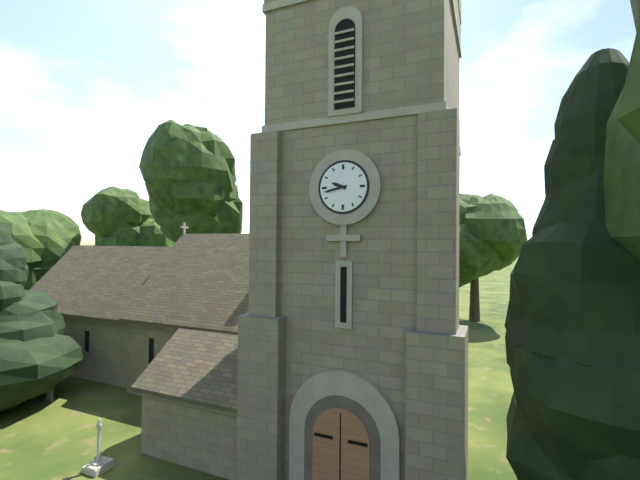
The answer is {"hour": 9, "minute": 43}
